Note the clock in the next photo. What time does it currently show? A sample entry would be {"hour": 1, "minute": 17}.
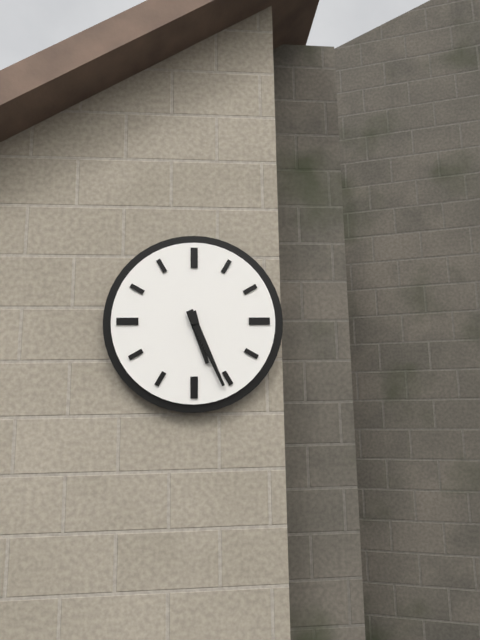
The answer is {"hour": 5, "minute": 26}
